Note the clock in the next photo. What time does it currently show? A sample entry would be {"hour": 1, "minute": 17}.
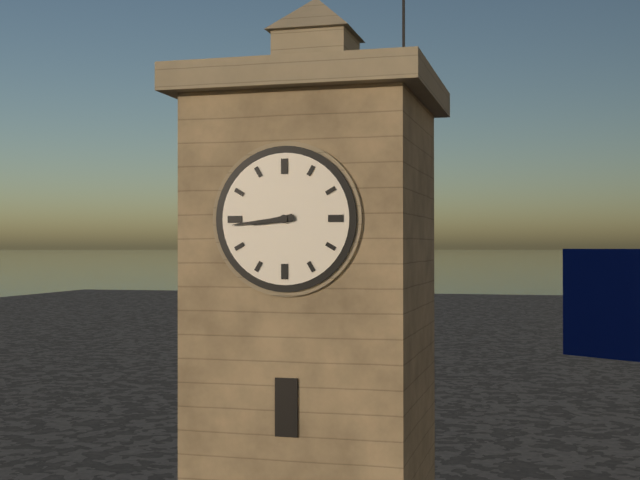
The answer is {"hour": 8, "minute": 44}
